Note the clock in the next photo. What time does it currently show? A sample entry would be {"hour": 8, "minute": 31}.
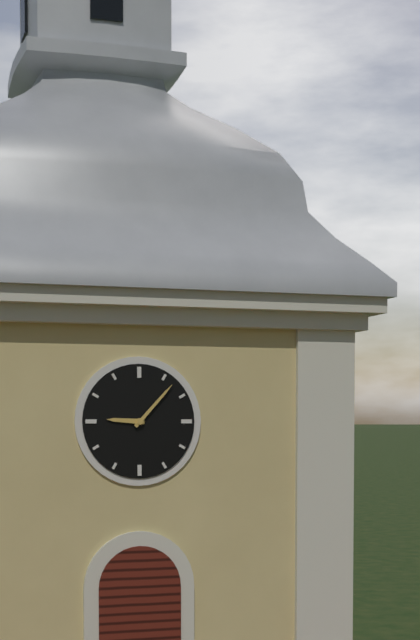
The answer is {"hour": 9, "minute": 7}
